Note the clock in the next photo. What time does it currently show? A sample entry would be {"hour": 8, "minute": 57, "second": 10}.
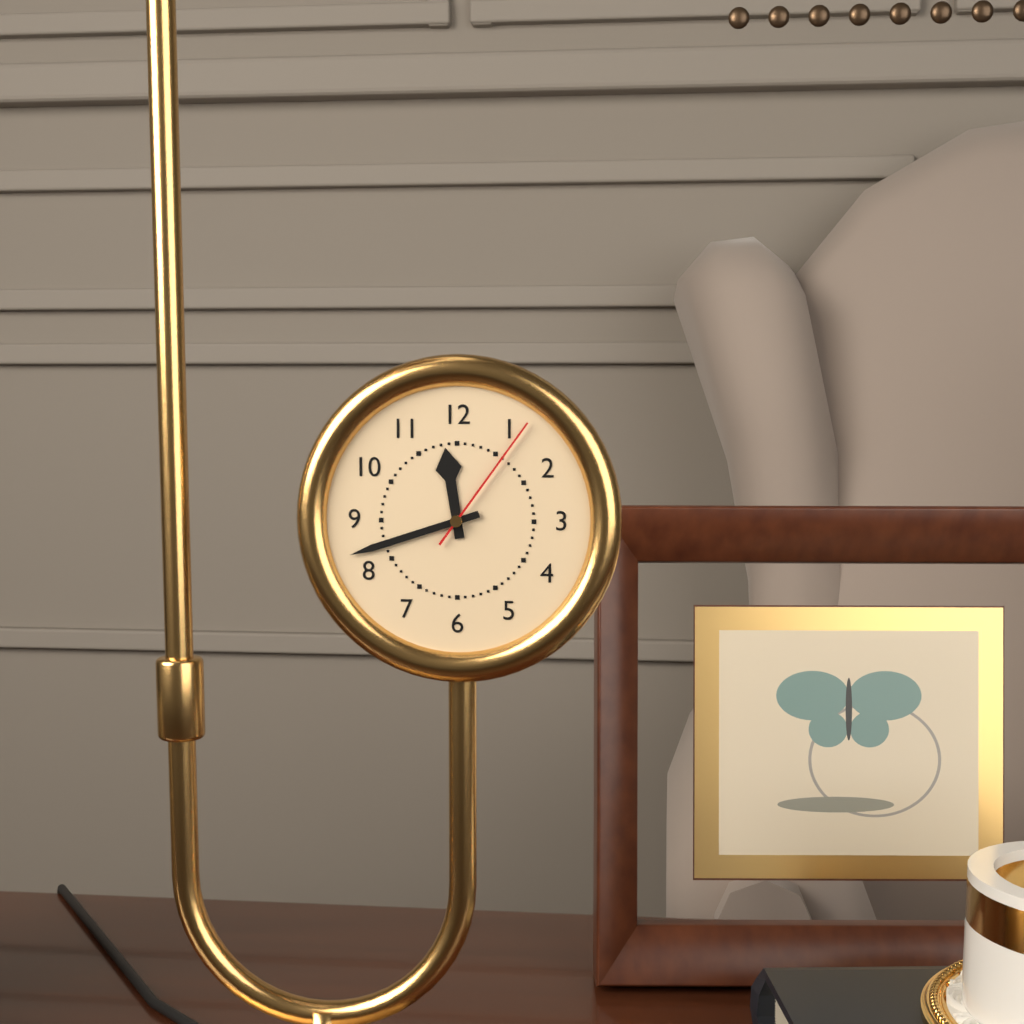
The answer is {"hour": 11, "minute": 42, "second": 6}
